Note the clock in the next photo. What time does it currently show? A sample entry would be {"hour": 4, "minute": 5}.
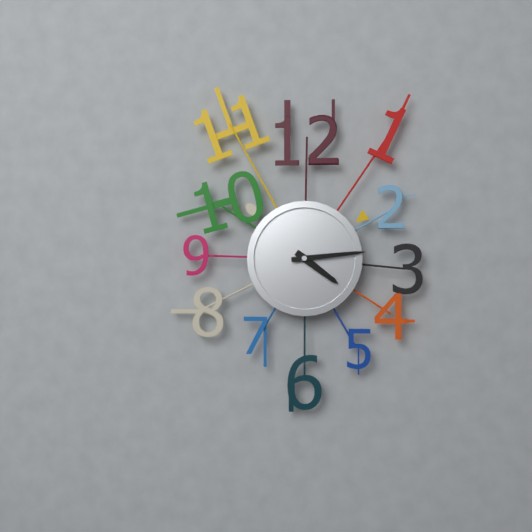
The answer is {"hour": 4, "minute": 14}
